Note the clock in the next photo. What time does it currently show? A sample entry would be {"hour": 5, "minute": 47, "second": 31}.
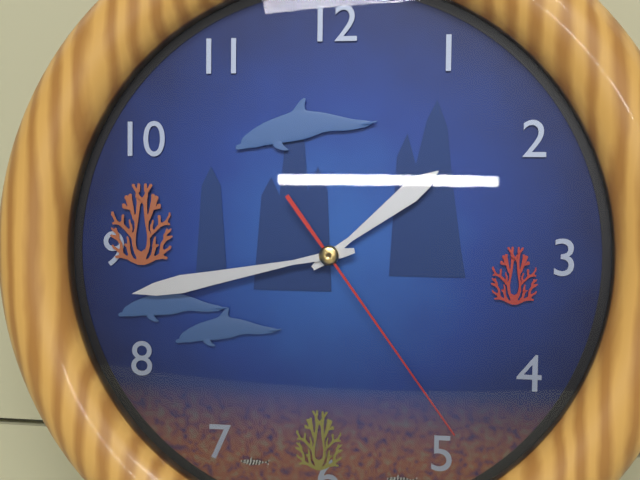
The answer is {"hour": 1, "minute": 43, "second": 24}
